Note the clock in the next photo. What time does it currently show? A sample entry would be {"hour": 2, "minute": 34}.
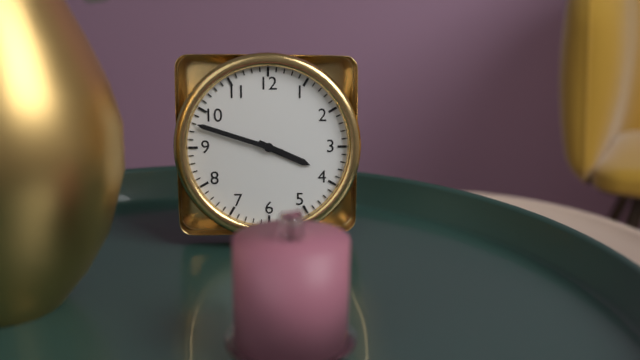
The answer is {"hour": 3, "minute": 48}
